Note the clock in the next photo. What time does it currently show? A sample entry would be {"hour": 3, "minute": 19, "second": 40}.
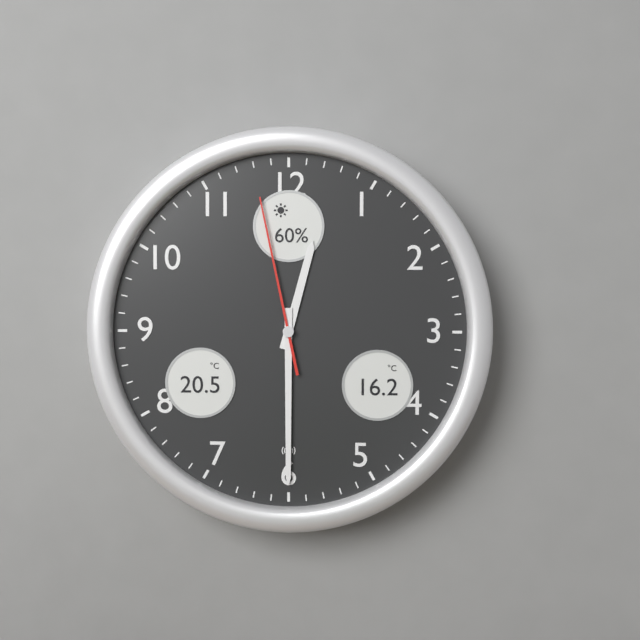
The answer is {"hour": 12, "minute": 30, "second": 58}
